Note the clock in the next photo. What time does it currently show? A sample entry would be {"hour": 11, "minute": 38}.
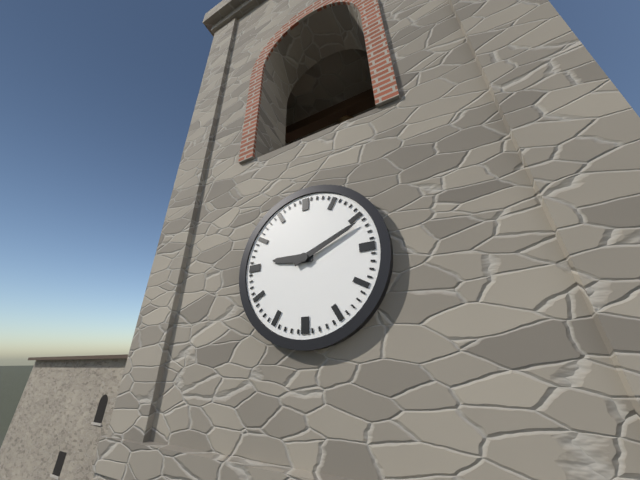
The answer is {"hour": 9, "minute": 11}
